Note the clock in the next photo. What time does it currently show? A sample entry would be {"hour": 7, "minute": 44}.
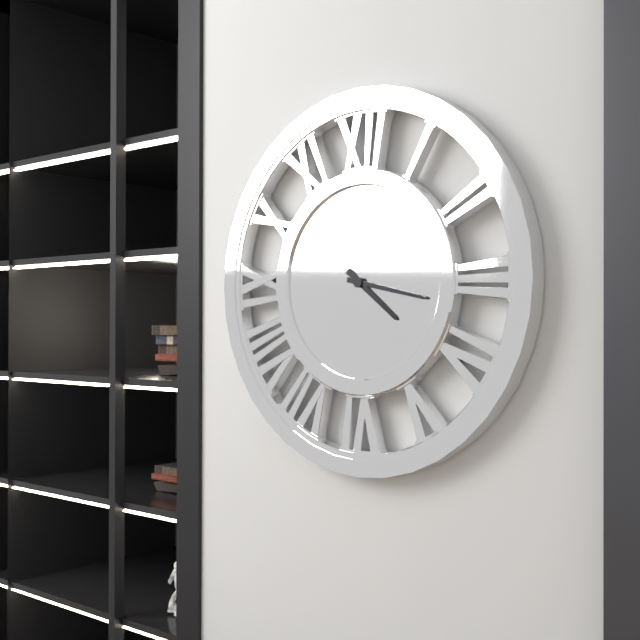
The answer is {"hour": 4, "minute": 17}
